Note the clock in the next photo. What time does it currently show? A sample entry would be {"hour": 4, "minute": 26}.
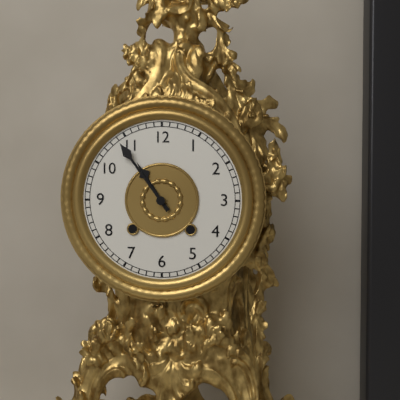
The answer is {"hour": 10, "minute": 54}
